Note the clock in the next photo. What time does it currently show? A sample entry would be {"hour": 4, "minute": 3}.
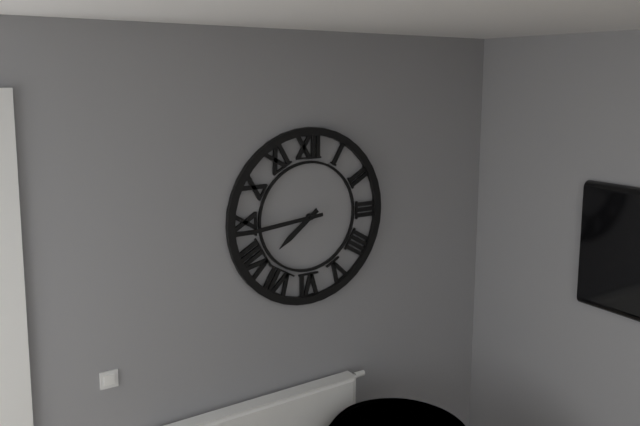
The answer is {"hour": 7, "minute": 44}
